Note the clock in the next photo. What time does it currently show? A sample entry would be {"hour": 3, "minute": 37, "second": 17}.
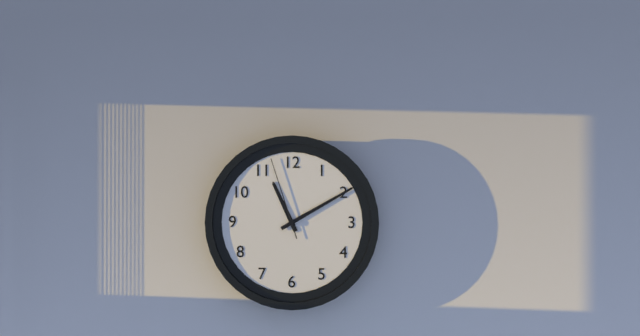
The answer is {"hour": 11, "minute": 10, "second": 57}
